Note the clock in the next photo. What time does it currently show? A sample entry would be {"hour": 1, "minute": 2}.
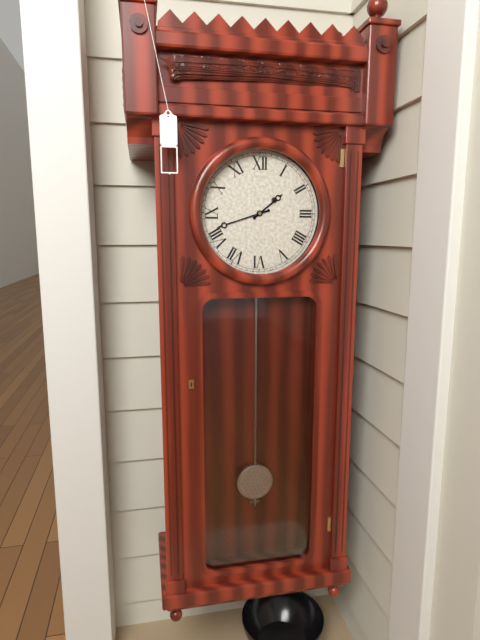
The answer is {"hour": 1, "minute": 42}
